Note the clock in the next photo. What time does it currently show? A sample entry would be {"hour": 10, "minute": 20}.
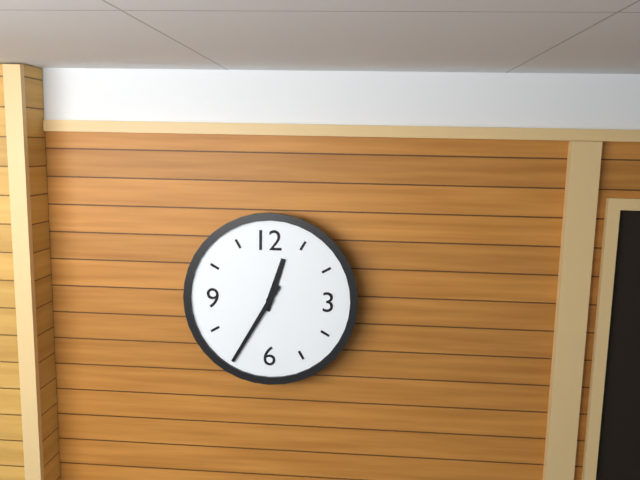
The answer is {"hour": 12, "minute": 35}
